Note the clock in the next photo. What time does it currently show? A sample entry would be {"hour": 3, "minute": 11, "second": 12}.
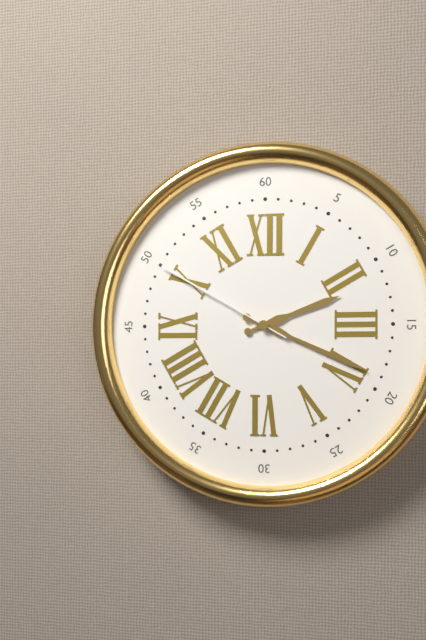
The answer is {"hour": 2, "minute": 19, "second": 50}
